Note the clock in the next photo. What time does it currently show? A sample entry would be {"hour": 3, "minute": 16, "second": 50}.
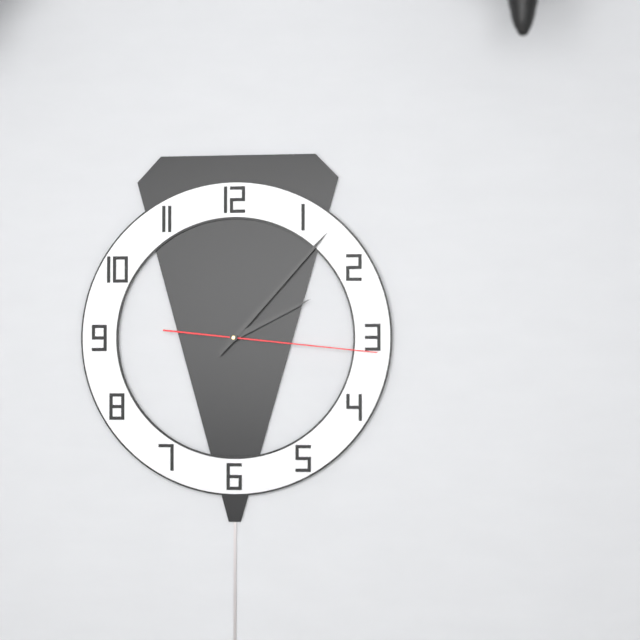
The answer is {"hour": 2, "minute": 7, "second": 16}
